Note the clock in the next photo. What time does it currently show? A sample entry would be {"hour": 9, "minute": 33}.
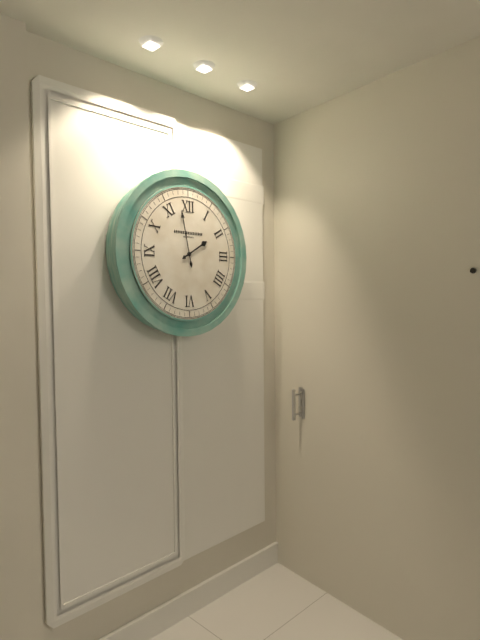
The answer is {"hour": 1, "minute": 58}
